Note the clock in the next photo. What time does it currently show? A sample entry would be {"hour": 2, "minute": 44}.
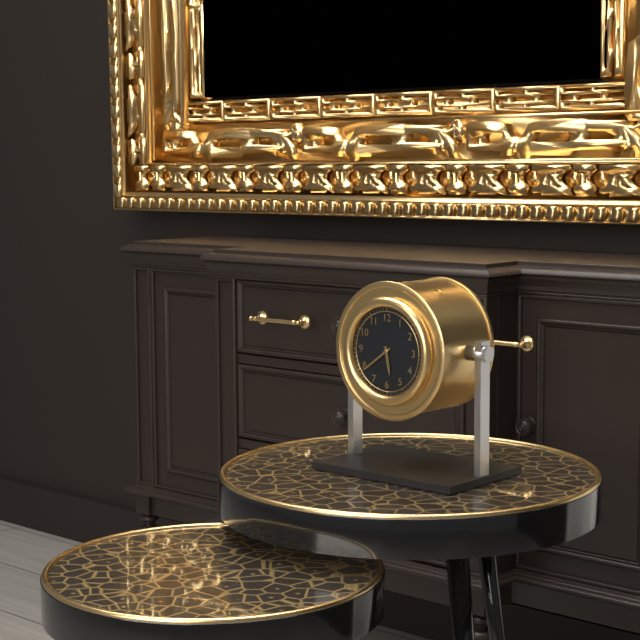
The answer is {"hour": 5, "minute": 39}
